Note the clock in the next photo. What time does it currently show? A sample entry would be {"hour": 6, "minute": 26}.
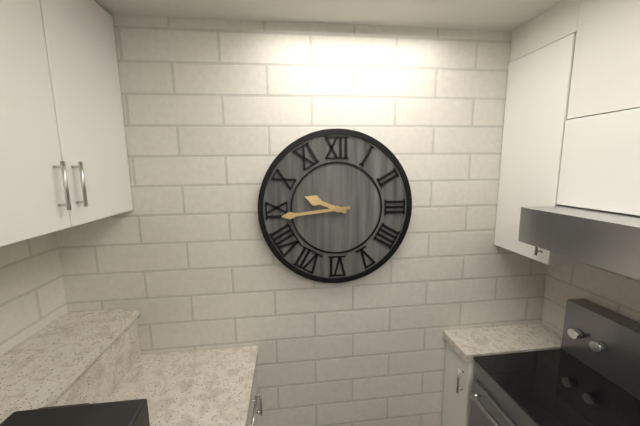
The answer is {"hour": 9, "minute": 44}
